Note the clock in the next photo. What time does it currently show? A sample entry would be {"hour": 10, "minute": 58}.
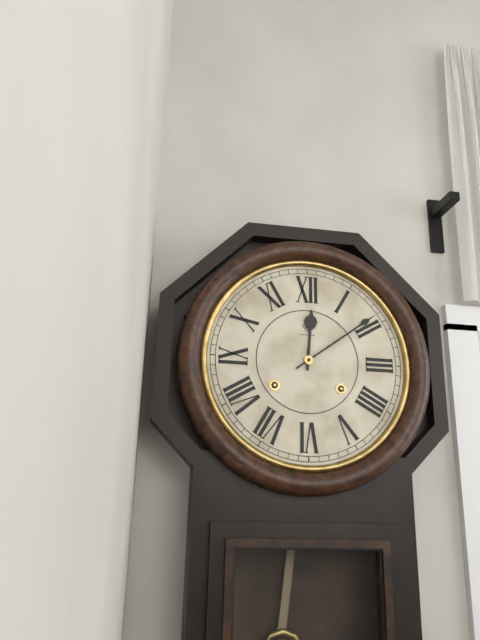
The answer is {"hour": 12, "minute": 9}
